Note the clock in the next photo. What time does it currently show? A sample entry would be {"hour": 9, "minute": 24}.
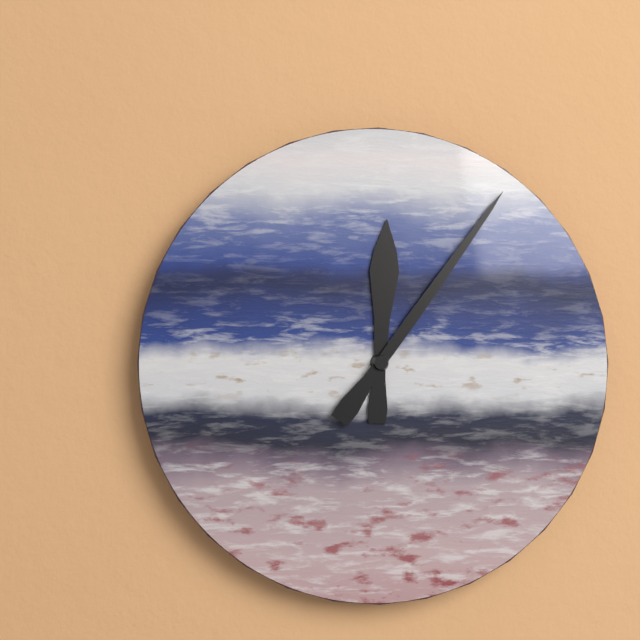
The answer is {"hour": 12, "minute": 6}
